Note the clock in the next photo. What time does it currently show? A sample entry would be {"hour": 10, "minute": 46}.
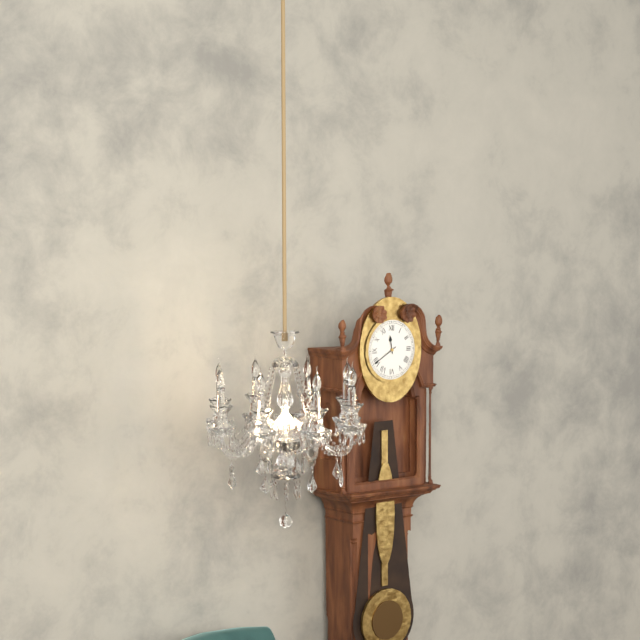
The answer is {"hour": 11, "minute": 40}
